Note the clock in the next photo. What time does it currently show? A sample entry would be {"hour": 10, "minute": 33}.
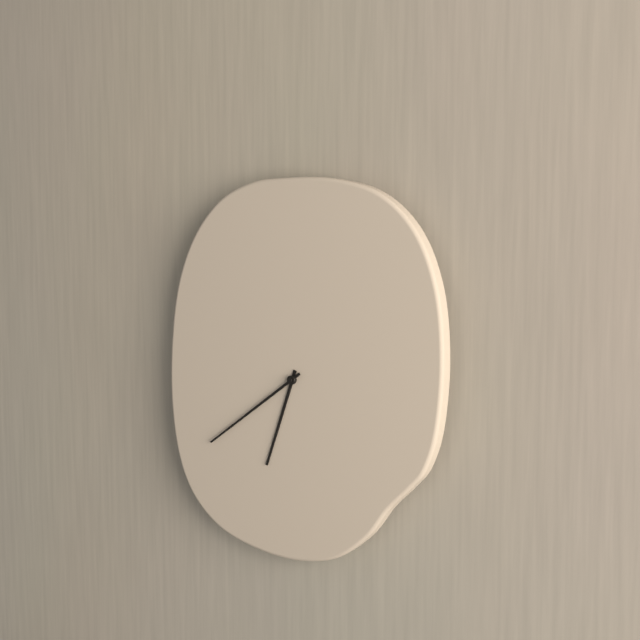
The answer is {"hour": 6, "minute": 39}
